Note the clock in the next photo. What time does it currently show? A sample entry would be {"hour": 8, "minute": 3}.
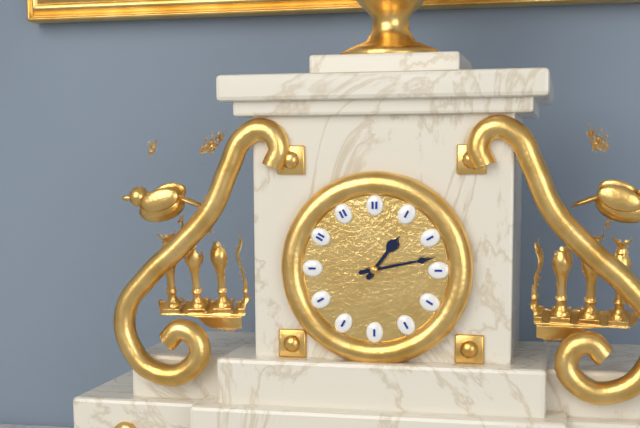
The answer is {"hour": 1, "minute": 13}
